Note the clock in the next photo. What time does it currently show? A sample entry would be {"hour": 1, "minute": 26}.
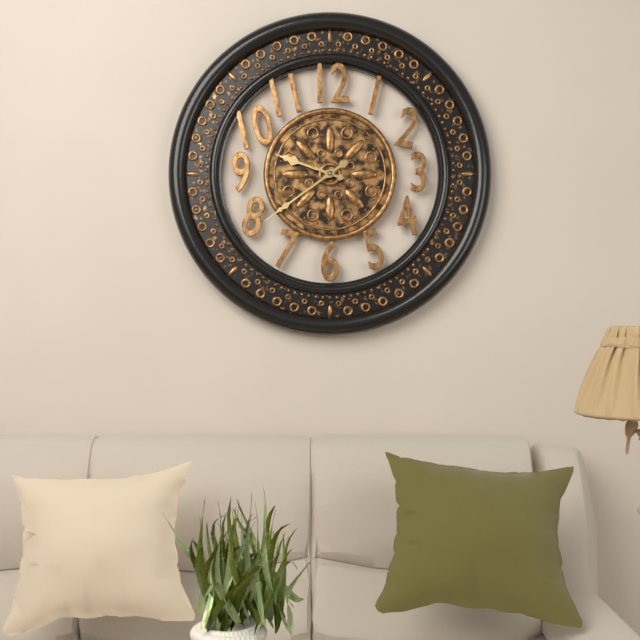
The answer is {"hour": 9, "minute": 39}
